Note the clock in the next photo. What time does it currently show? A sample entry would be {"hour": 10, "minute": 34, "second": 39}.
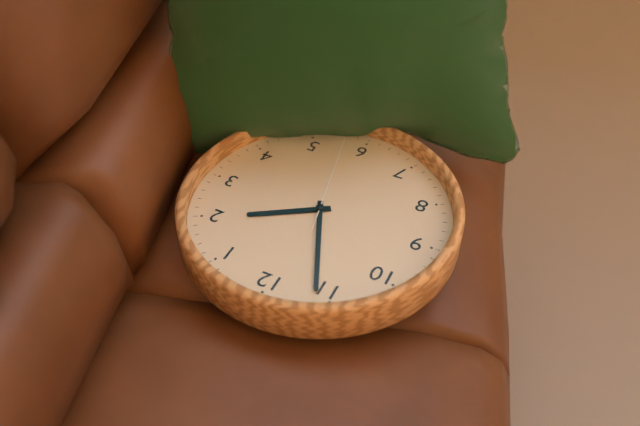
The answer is {"hour": 1, "minute": 56, "second": 28}
